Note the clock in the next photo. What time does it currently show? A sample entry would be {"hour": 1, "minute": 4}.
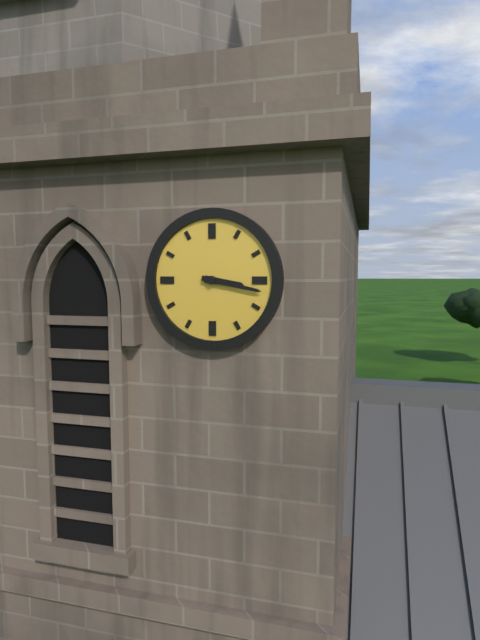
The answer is {"hour": 3, "minute": 17}
